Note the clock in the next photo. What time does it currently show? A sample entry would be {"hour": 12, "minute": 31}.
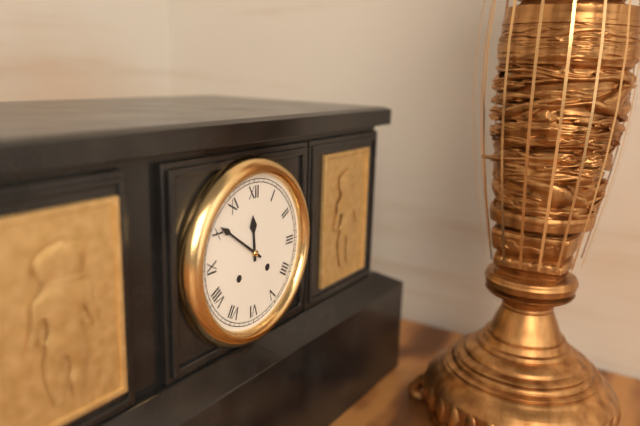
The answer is {"hour": 11, "minute": 51}
